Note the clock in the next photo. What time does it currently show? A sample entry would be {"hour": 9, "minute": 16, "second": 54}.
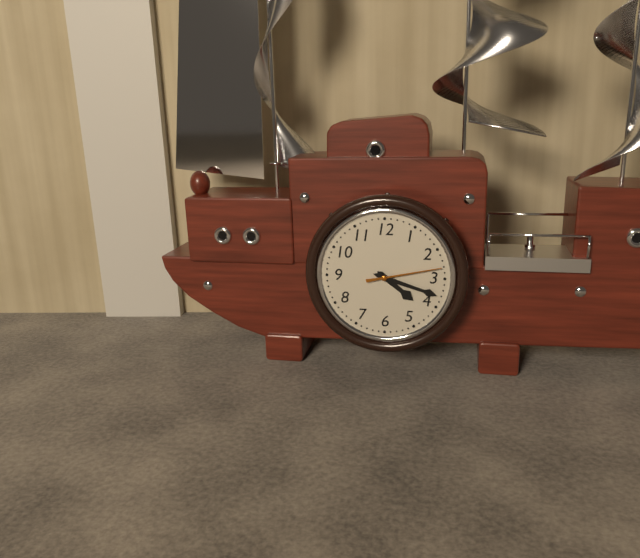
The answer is {"hour": 4, "minute": 18, "second": 13}
